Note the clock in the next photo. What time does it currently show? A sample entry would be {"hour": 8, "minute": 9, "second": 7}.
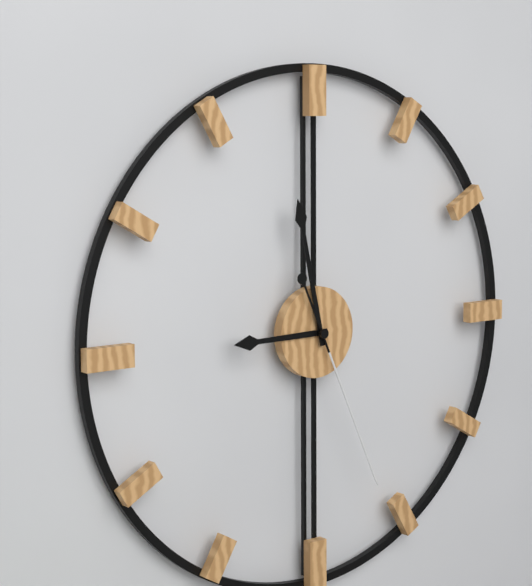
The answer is {"hour": 8, "minute": 58, "second": 26}
